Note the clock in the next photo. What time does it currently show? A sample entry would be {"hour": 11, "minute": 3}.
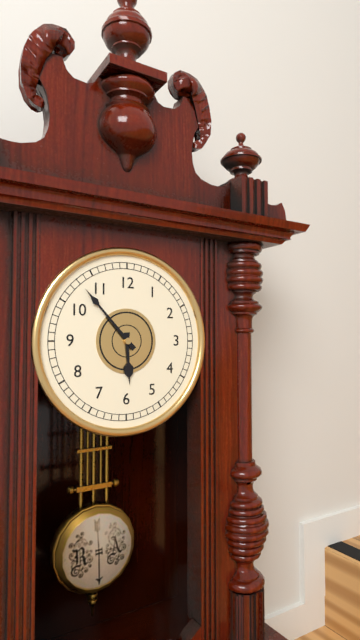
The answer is {"hour": 5, "minute": 53}
